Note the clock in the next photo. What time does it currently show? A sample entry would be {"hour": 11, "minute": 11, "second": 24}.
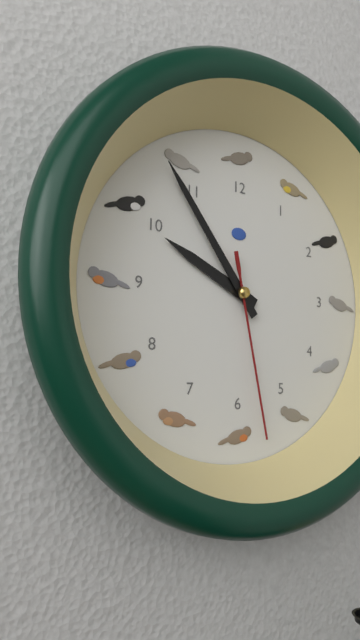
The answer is {"hour": 9, "minute": 54, "second": 28}
